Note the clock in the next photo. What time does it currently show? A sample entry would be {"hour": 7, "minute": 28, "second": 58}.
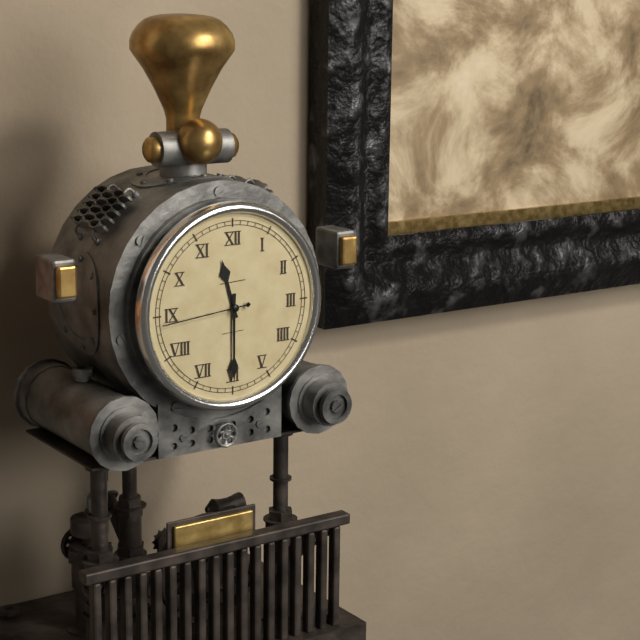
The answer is {"hour": 11, "minute": 30, "second": 44}
